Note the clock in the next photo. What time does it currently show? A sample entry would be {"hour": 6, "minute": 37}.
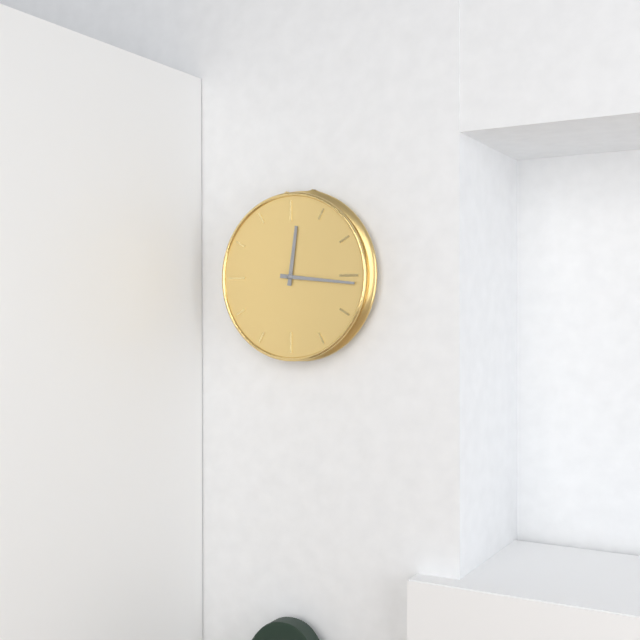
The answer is {"hour": 12, "minute": 16}
